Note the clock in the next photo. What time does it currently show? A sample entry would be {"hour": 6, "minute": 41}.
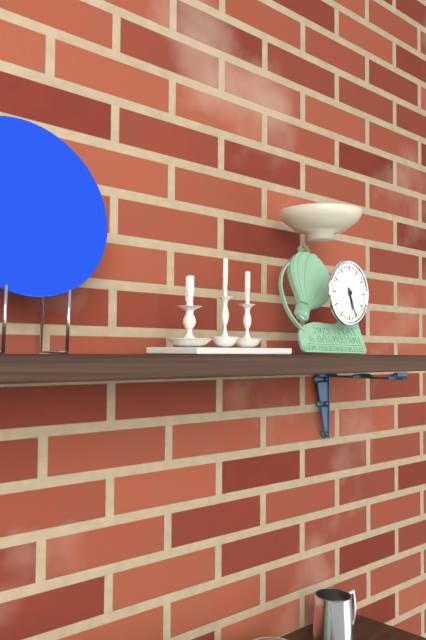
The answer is {"hour": 5, "minute": 26}
